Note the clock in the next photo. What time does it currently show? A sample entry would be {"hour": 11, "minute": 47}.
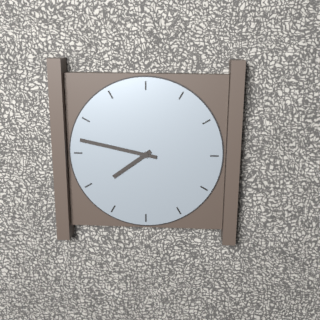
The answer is {"hour": 7, "minute": 47}
